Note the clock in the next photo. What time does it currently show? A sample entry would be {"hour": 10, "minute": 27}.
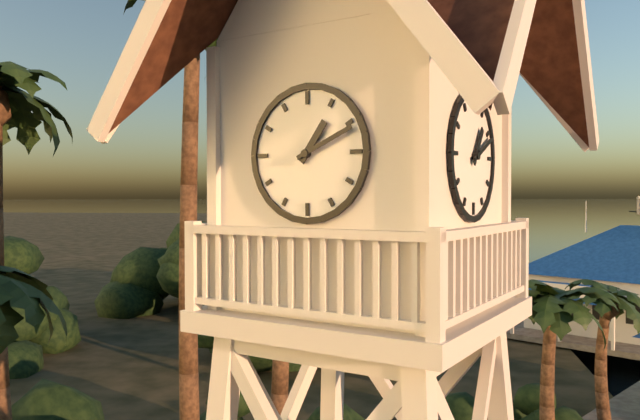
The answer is {"hour": 1, "minute": 11}
